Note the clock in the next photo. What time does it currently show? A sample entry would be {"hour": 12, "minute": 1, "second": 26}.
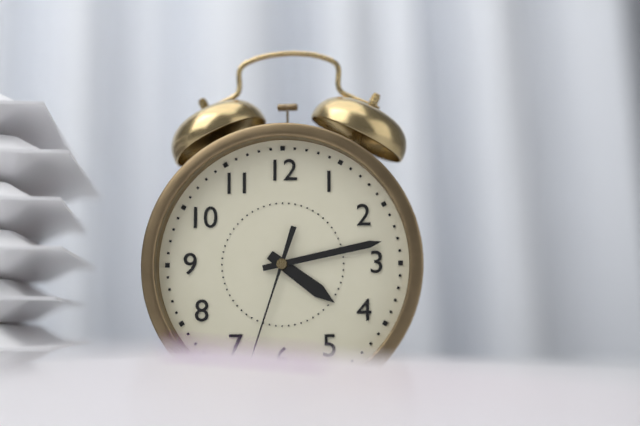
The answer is {"hour": 4, "minute": 13, "second": 33}
